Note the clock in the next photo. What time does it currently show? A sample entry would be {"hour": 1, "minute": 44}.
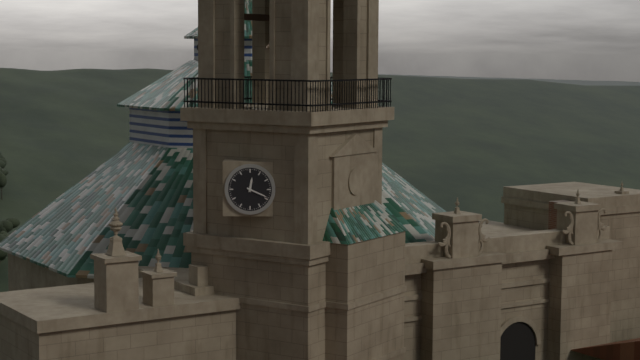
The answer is {"hour": 12, "minute": 19}
